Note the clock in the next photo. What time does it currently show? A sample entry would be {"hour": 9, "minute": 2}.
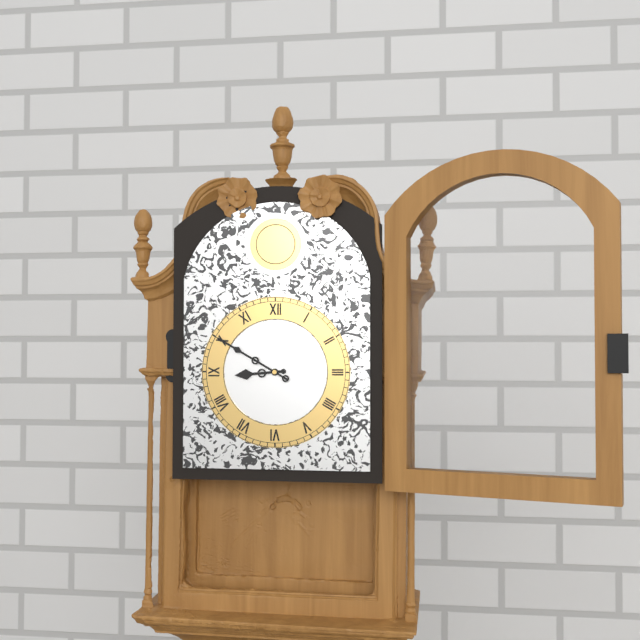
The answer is {"hour": 8, "minute": 50}
